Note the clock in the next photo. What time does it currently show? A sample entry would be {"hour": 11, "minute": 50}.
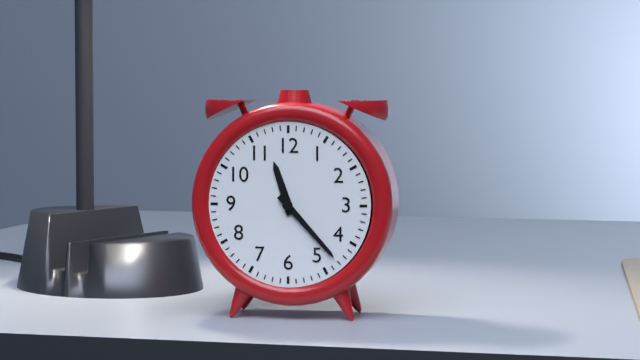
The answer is {"hour": 11, "minute": 23}
